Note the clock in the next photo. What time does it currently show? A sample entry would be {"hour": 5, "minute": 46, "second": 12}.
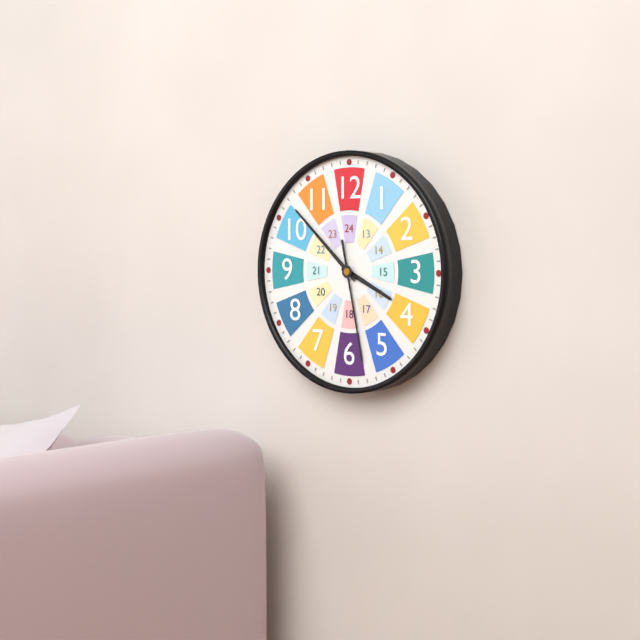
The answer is {"hour": 3, "minute": 52, "second": 28}
